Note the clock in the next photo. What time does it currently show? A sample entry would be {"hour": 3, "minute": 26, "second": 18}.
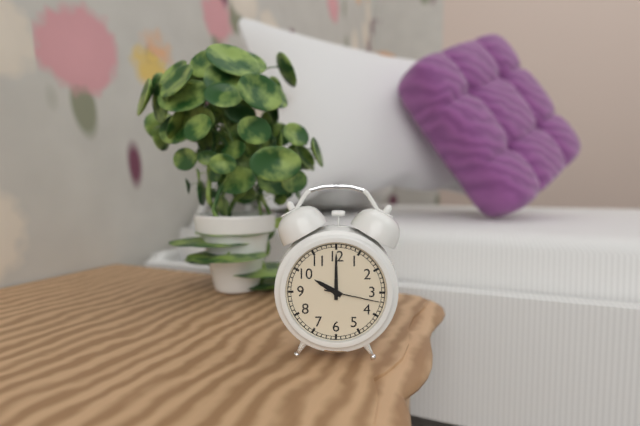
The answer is {"hour": 10, "minute": 0, "second": 17}
